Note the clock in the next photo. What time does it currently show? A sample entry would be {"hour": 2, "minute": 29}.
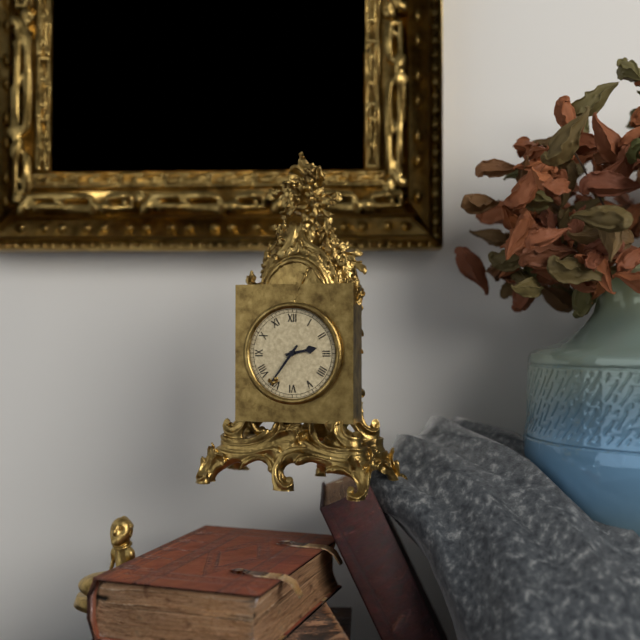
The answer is {"hour": 2, "minute": 36}
